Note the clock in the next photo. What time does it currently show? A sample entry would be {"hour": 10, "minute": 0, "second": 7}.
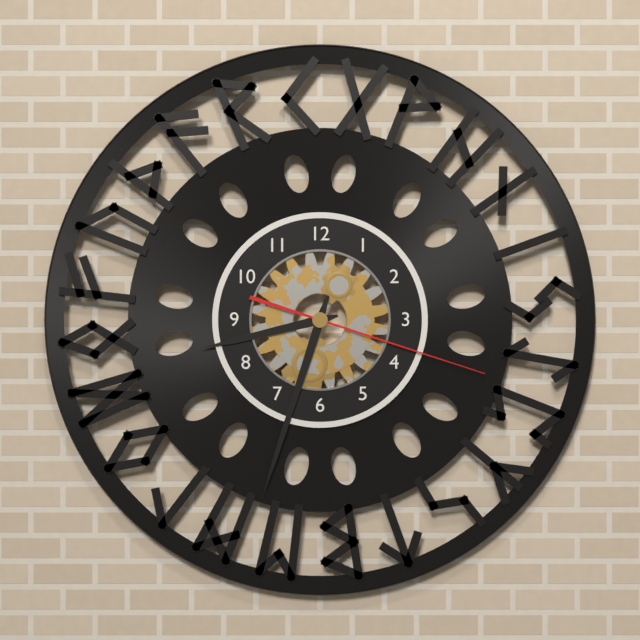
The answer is {"hour": 8, "minute": 33, "second": 18}
